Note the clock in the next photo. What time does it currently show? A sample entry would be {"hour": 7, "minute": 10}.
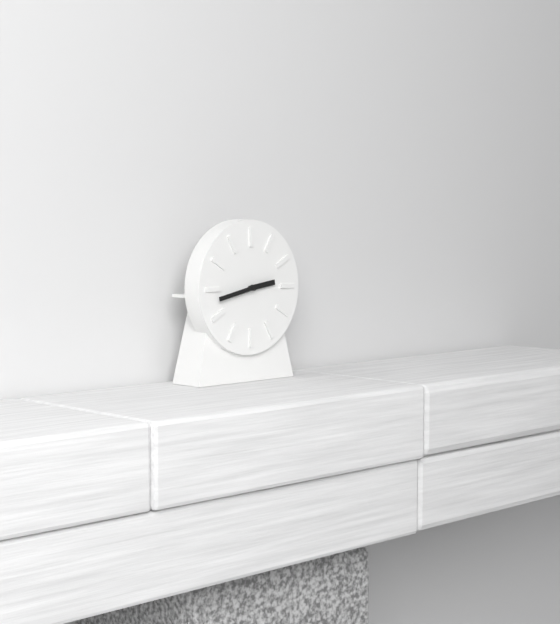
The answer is {"hour": 2, "minute": 43}
